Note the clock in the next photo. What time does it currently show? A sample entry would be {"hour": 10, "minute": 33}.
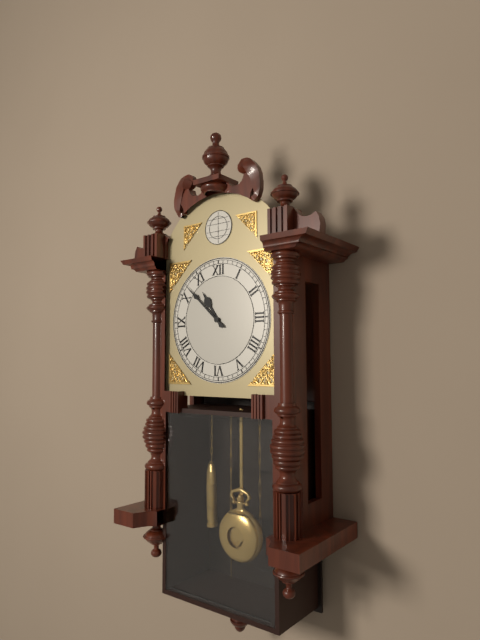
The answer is {"hour": 10, "minute": 52}
